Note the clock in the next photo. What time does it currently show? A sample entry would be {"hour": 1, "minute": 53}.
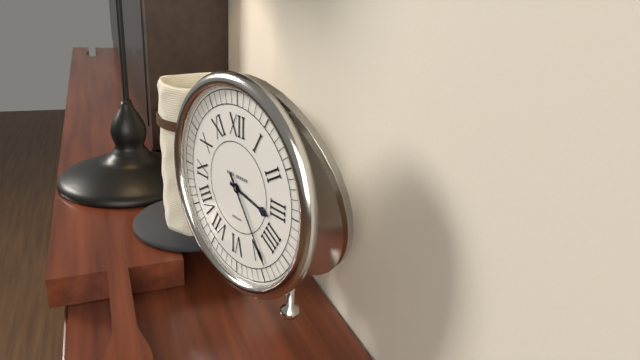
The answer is {"hour": 3, "minute": 24}
